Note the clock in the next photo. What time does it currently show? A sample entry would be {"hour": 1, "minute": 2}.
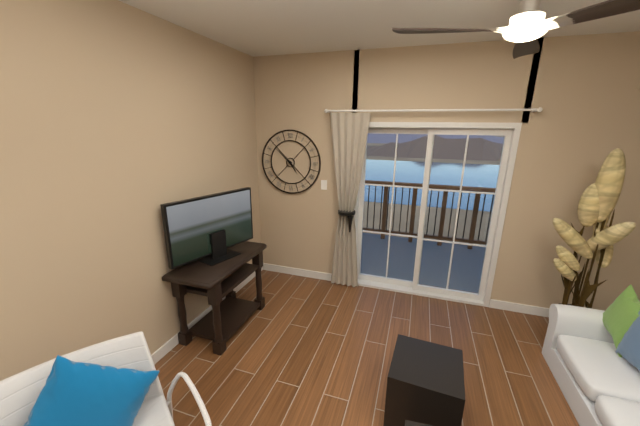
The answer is {"hour": 4, "minute": 52}
